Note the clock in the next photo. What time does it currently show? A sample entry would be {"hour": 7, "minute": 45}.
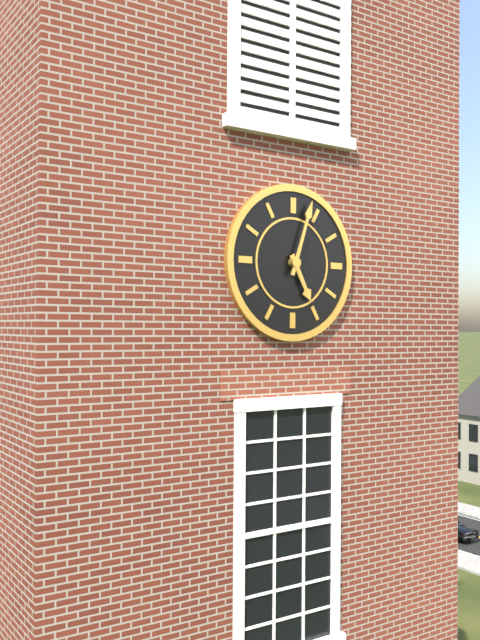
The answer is {"hour": 5, "minute": 3}
